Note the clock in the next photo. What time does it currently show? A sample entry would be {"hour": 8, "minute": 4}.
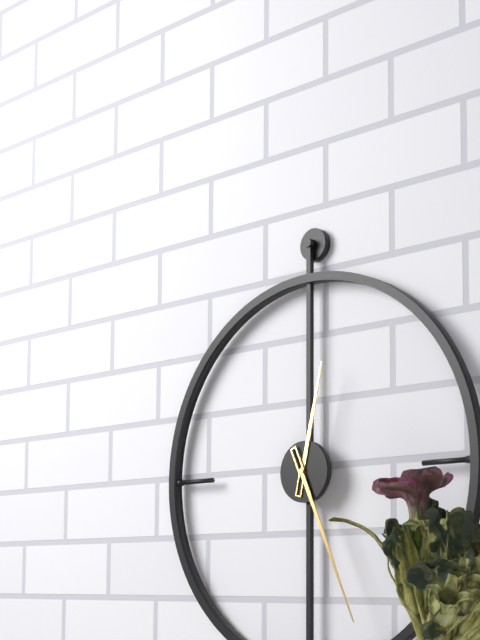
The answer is {"hour": 12, "minute": 26}
